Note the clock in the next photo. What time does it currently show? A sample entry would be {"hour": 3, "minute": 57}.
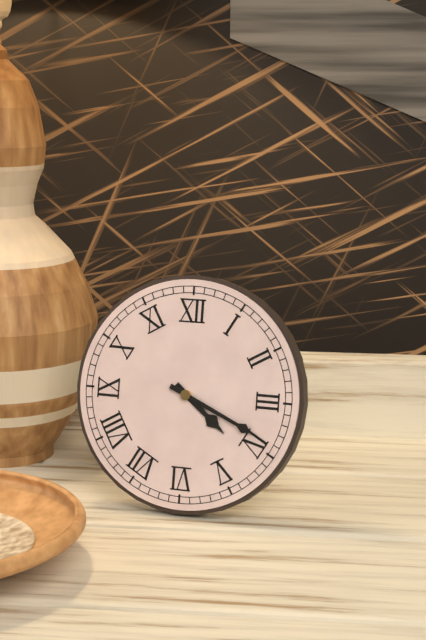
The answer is {"hour": 4, "minute": 19}
